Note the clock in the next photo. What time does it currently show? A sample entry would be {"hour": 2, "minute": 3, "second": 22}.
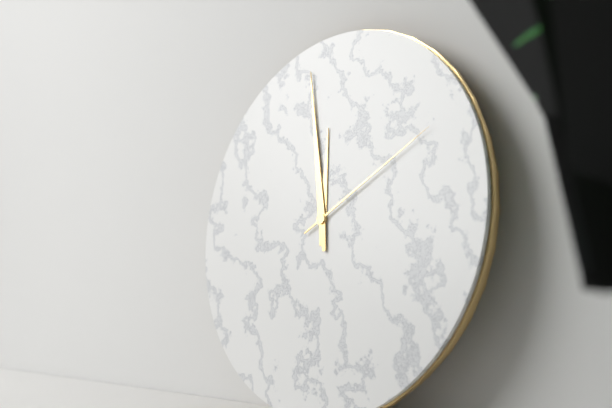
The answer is {"hour": 11, "minute": 58, "second": 10}
